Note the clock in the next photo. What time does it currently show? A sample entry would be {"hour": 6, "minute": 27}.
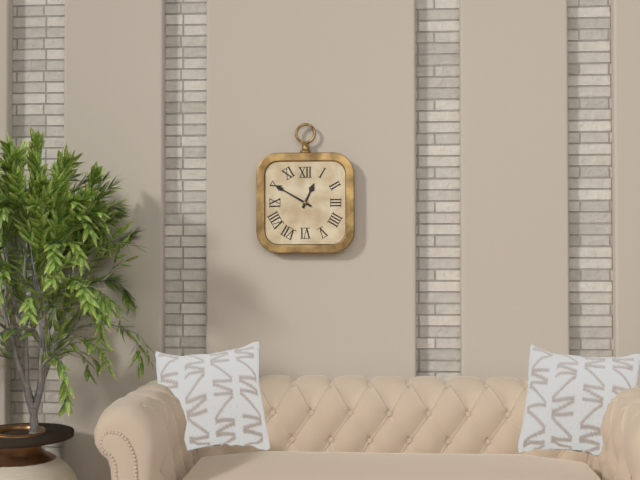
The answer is {"hour": 12, "minute": 50}
